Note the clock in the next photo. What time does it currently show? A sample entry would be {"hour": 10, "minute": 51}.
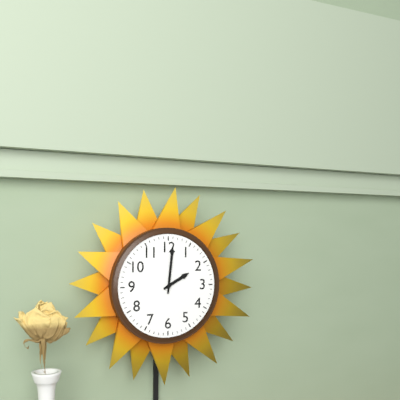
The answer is {"hour": 2, "minute": 1}
